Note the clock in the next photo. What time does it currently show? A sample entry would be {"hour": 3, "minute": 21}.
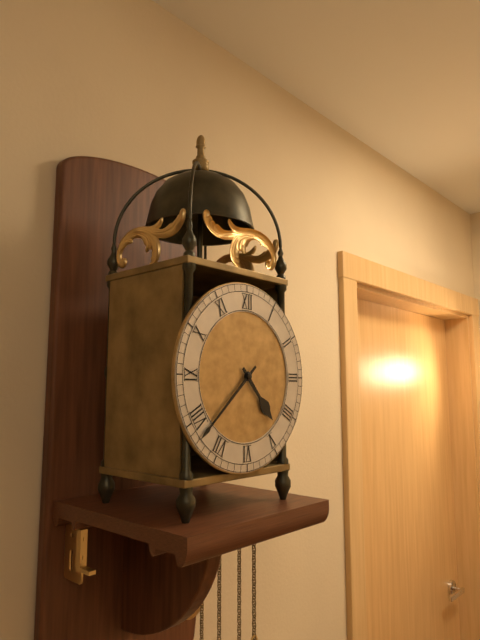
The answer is {"hour": 4, "minute": 38}
